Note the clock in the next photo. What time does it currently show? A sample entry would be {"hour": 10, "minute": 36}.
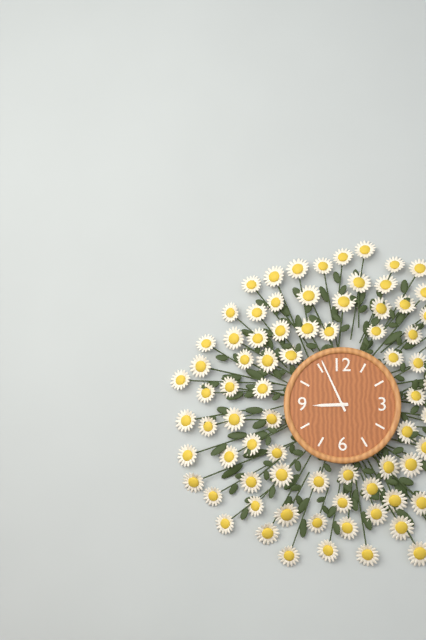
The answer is {"hour": 8, "minute": 56}
